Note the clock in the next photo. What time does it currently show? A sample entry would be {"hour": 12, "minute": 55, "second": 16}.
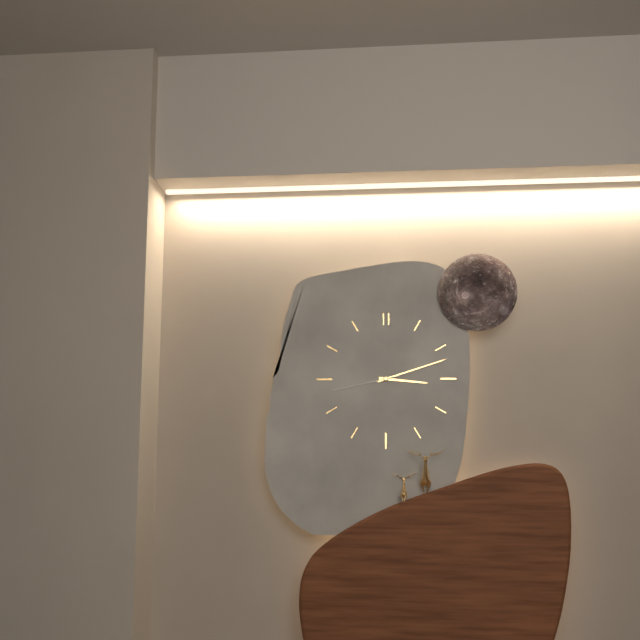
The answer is {"hour": 3, "minute": 12, "second": 43}
